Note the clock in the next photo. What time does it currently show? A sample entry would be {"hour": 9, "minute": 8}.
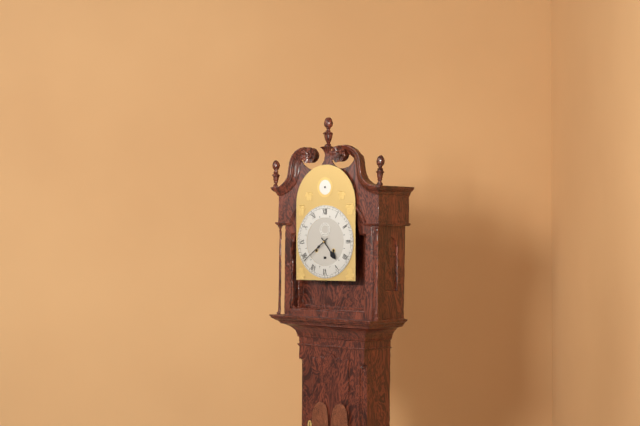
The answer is {"hour": 4, "minute": 39}
